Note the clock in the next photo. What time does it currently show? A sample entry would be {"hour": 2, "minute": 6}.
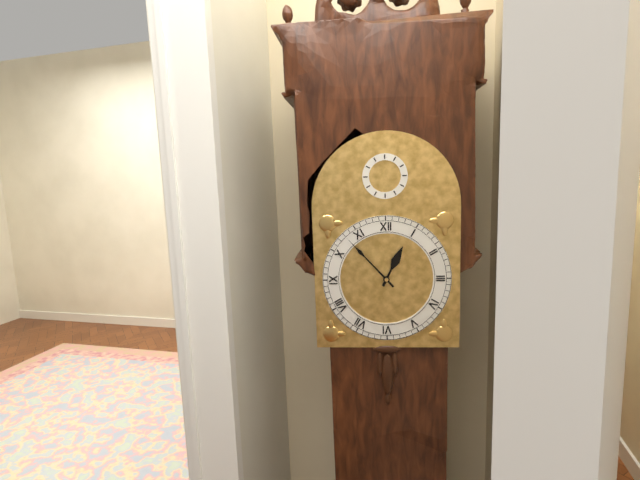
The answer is {"hour": 12, "minute": 53}
